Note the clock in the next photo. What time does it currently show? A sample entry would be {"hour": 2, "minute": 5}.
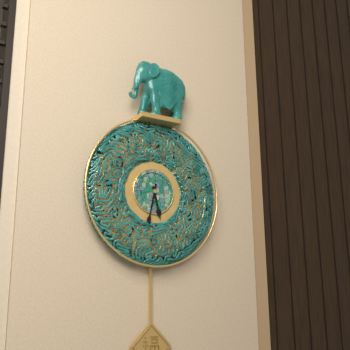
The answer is {"hour": 5, "minute": 32}
